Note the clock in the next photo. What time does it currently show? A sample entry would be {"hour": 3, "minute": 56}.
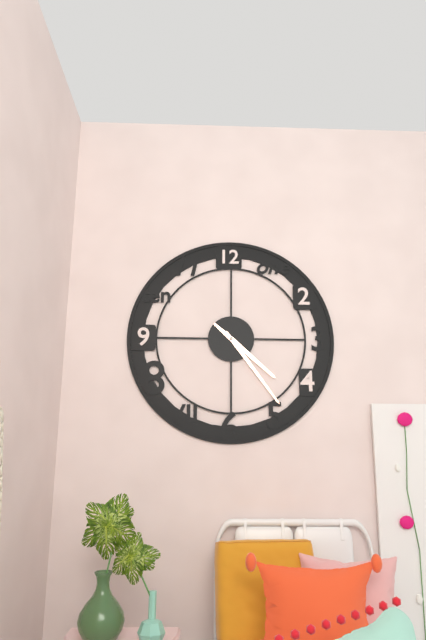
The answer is {"hour": 4, "minute": 24}
